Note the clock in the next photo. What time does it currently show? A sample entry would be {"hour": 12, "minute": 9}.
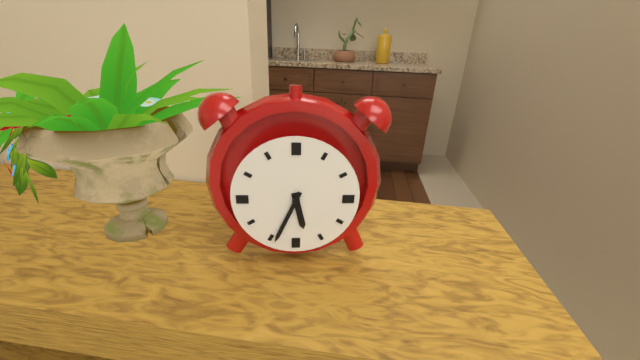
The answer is {"hour": 5, "minute": 34}
